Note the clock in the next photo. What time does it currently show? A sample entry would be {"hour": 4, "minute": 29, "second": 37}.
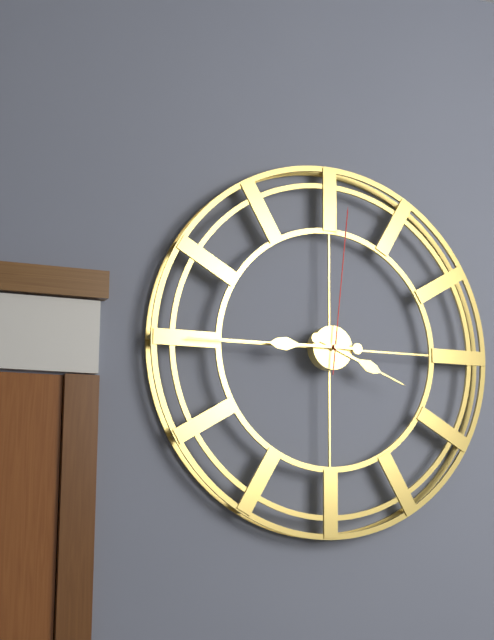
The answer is {"hour": 3, "minute": 45, "second": 1}
